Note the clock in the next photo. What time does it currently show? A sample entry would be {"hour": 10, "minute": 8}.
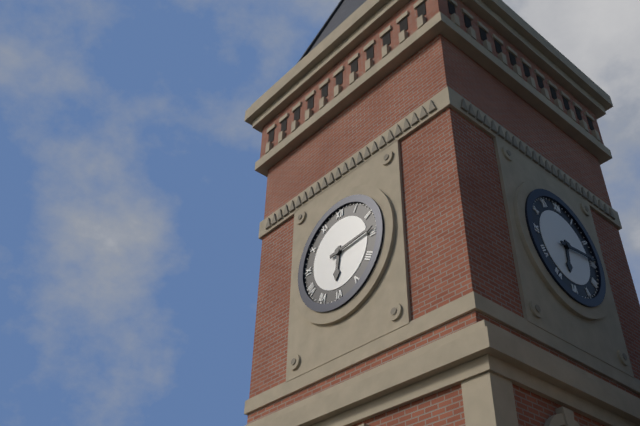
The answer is {"hour": 6, "minute": 14}
